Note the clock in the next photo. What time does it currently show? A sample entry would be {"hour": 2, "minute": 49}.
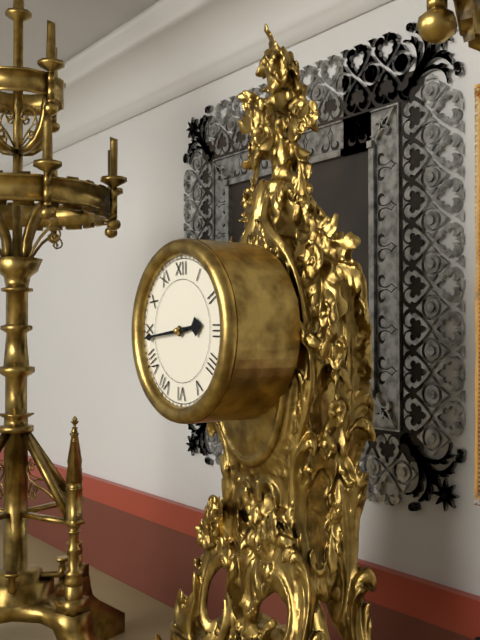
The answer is {"hour": 2, "minute": 44}
